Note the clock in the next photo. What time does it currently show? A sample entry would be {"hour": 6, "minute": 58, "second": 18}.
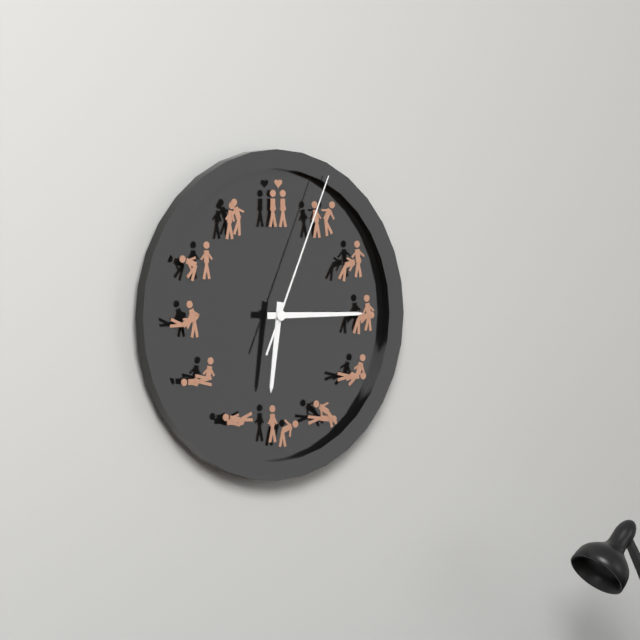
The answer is {"hour": 6, "minute": 15, "second": 4}
